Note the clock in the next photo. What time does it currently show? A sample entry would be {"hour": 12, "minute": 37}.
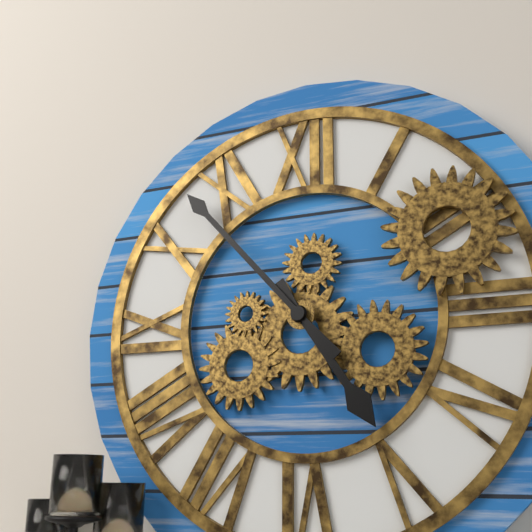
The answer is {"hour": 4, "minute": 53}
